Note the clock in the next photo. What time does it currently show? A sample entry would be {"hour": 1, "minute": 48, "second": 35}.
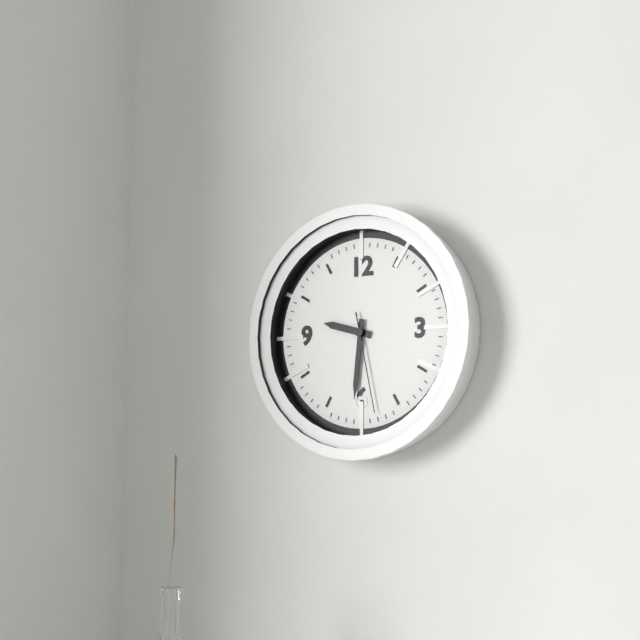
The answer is {"hour": 9, "minute": 31, "second": 28}
